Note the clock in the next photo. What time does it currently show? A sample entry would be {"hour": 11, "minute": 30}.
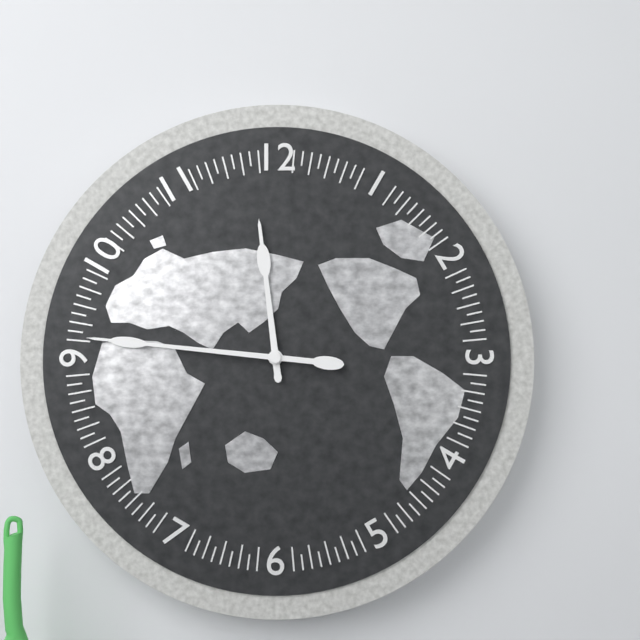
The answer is {"hour": 11, "minute": 46}
